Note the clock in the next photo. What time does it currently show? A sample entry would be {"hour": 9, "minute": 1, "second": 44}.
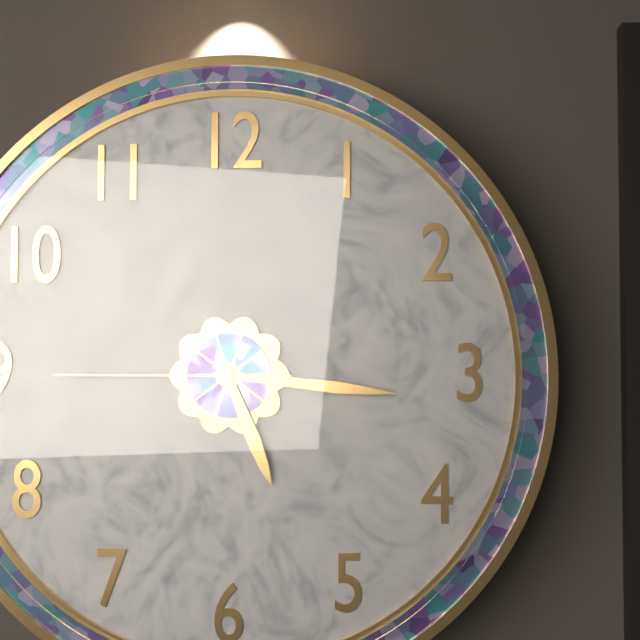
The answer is {"hour": 5, "minute": 16, "second": 45}
